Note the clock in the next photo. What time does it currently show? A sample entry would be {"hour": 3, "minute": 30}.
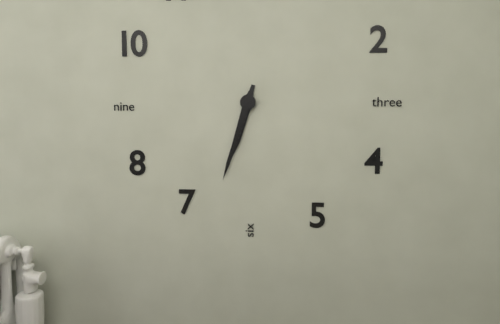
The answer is {"hour": 6, "minute": 33}
